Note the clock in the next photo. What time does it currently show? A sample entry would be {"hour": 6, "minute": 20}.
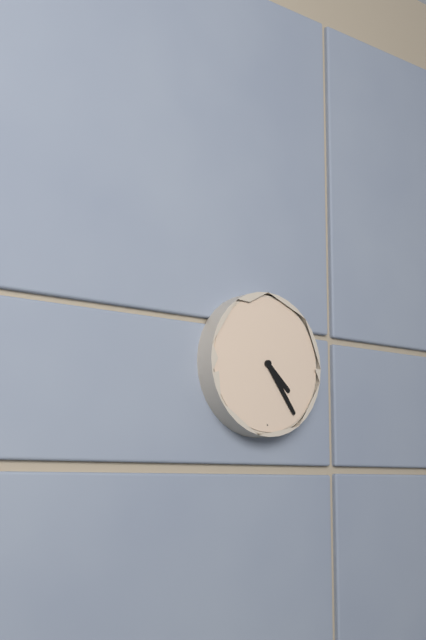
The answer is {"hour": 4, "minute": 24}
